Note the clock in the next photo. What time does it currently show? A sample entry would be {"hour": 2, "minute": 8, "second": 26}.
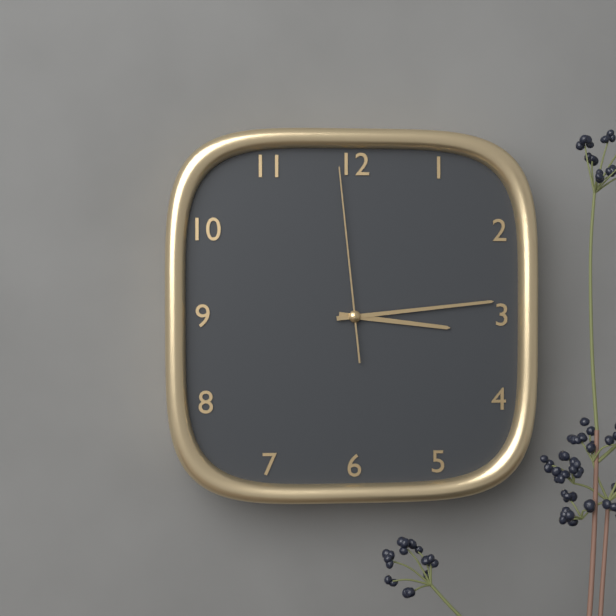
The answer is {"hour": 3, "minute": 14, "second": 59}
